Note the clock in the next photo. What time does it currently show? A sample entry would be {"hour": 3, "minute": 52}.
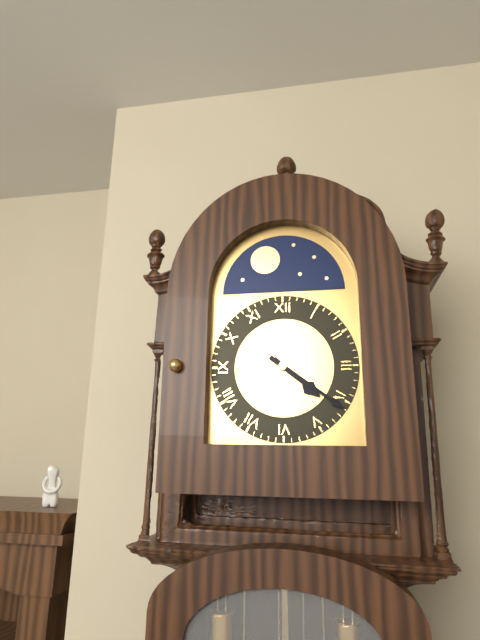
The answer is {"hour": 4, "minute": 21}
